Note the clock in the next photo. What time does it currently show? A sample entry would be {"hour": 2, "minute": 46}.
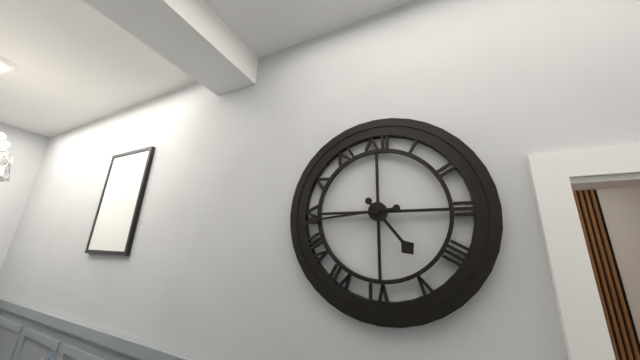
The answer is {"hour": 4, "minute": 44}
